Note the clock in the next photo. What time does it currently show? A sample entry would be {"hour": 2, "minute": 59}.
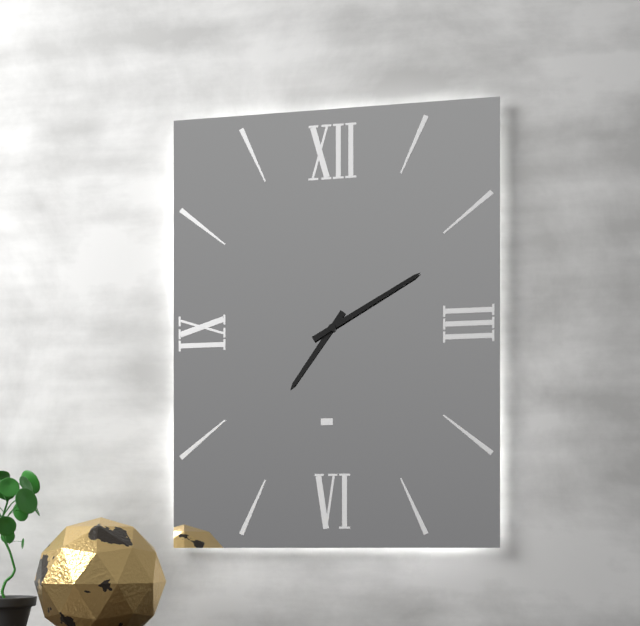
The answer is {"hour": 7, "minute": 10}
